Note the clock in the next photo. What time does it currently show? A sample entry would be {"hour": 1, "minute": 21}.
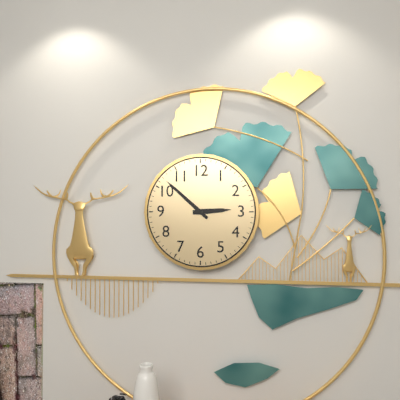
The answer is {"hour": 2, "minute": 52}
